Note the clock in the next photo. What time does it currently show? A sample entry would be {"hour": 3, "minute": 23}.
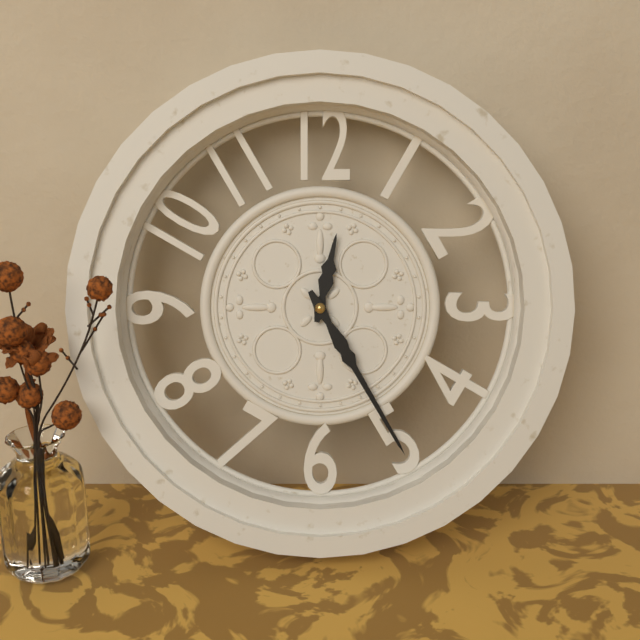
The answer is {"hour": 12, "minute": 25}
